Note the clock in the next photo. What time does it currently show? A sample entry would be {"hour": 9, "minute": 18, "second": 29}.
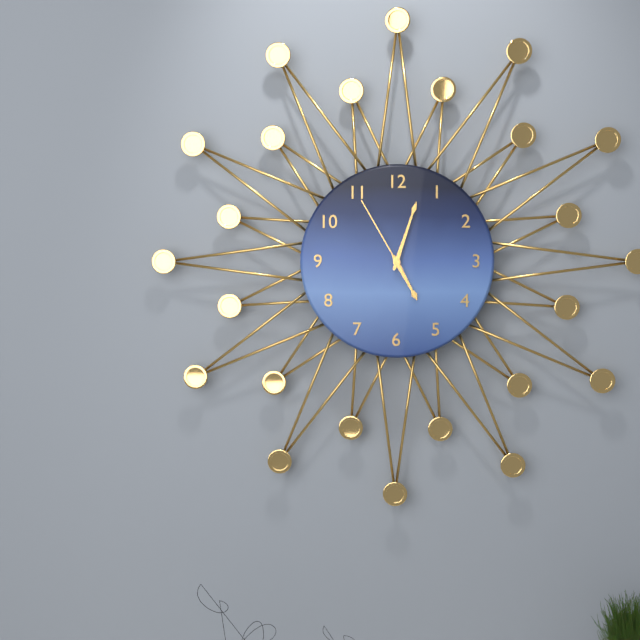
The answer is {"hour": 5, "minute": 3, "second": 55}
